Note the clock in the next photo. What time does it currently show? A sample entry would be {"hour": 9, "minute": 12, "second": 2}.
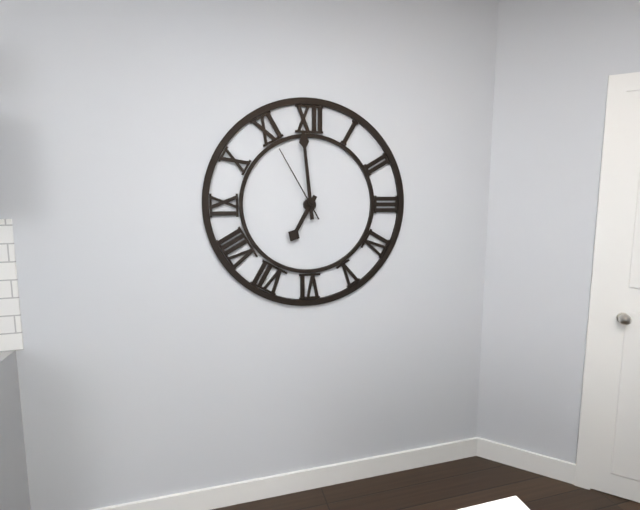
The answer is {"hour": 6, "minute": 59, "second": 55}
